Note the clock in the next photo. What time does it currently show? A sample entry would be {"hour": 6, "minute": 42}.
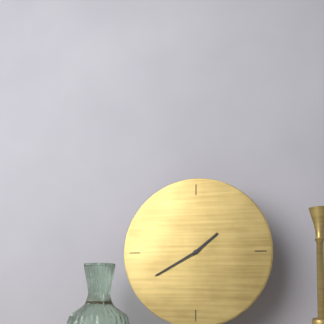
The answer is {"hour": 1, "minute": 40}
